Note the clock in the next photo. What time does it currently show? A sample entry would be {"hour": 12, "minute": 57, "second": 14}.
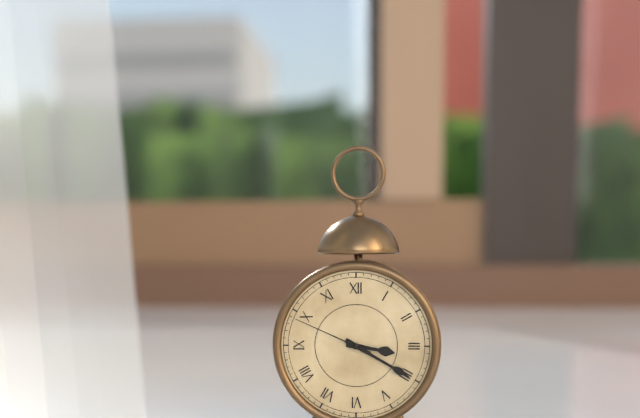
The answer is {"hour": 3, "minute": 20, "second": 49}
